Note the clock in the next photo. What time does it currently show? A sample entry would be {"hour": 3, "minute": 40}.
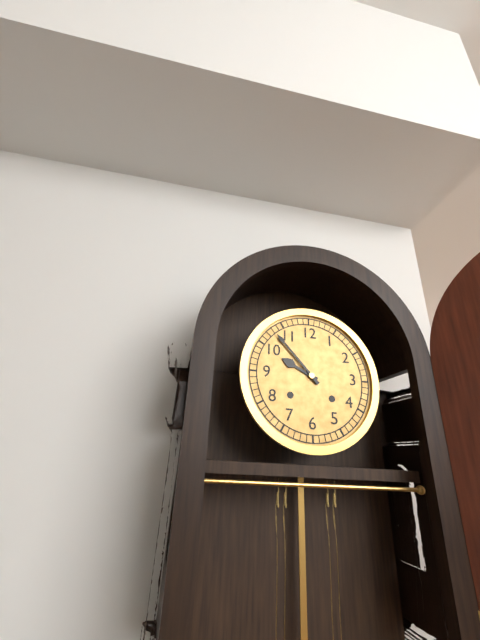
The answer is {"hour": 9, "minute": 53}
